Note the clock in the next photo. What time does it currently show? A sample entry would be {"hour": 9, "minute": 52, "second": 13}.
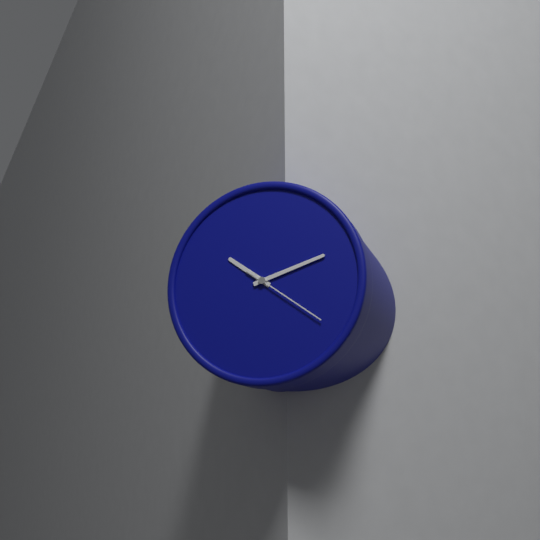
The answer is {"hour": 10, "minute": 12, "second": 21}
